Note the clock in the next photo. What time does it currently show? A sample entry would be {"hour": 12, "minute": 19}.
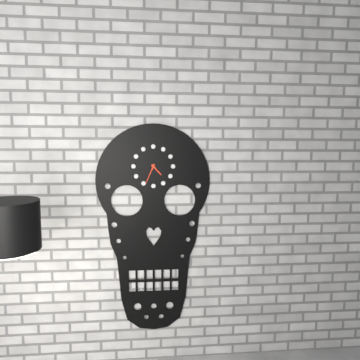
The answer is {"hour": 4, "minute": 34}
